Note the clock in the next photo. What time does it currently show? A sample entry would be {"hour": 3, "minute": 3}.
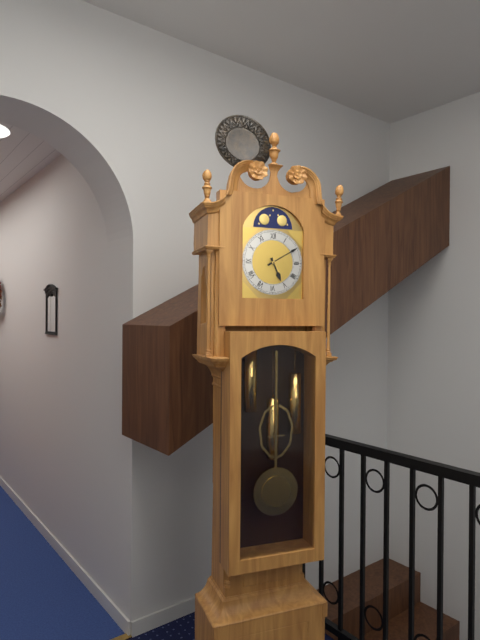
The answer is {"hour": 5, "minute": 10}
